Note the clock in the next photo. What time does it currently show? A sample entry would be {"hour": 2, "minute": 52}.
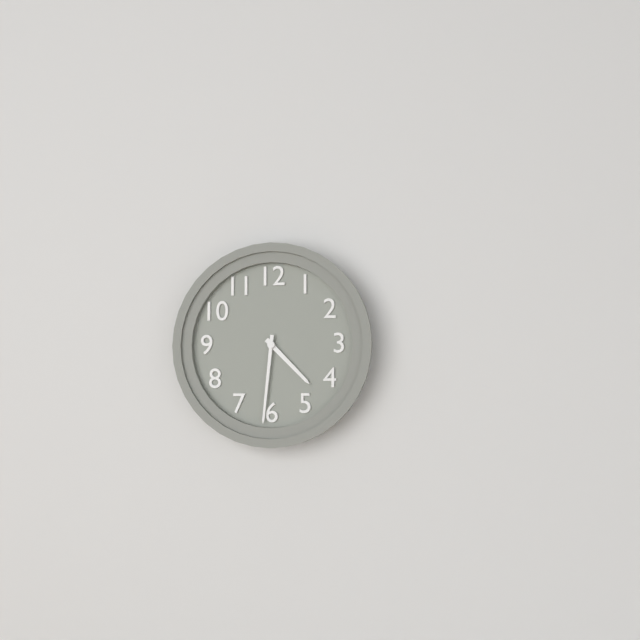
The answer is {"hour": 4, "minute": 31}
